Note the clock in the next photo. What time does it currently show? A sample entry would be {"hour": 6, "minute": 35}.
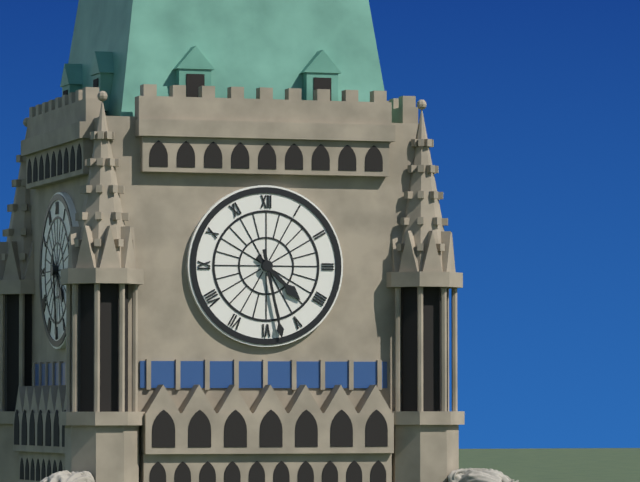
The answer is {"hour": 4, "minute": 28}
